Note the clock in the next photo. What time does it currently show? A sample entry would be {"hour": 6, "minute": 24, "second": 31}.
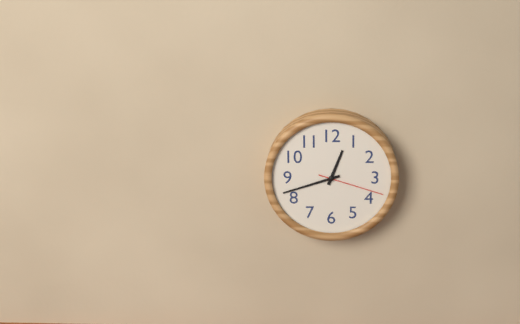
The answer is {"hour": 12, "minute": 42, "second": 18}
